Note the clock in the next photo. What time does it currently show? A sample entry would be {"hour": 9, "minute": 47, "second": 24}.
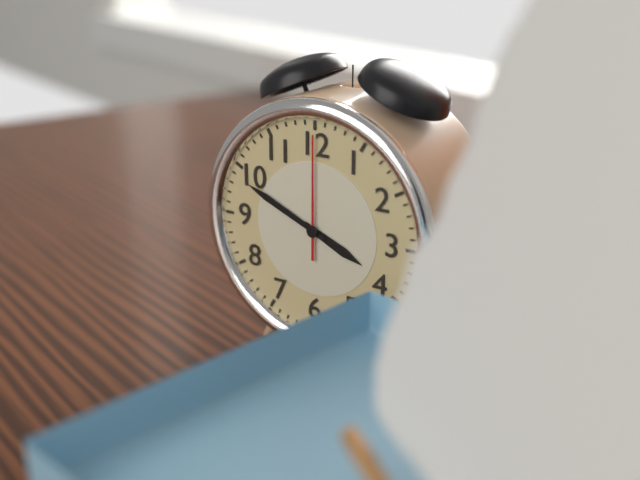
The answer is {"hour": 3, "minute": 49, "second": 0}
